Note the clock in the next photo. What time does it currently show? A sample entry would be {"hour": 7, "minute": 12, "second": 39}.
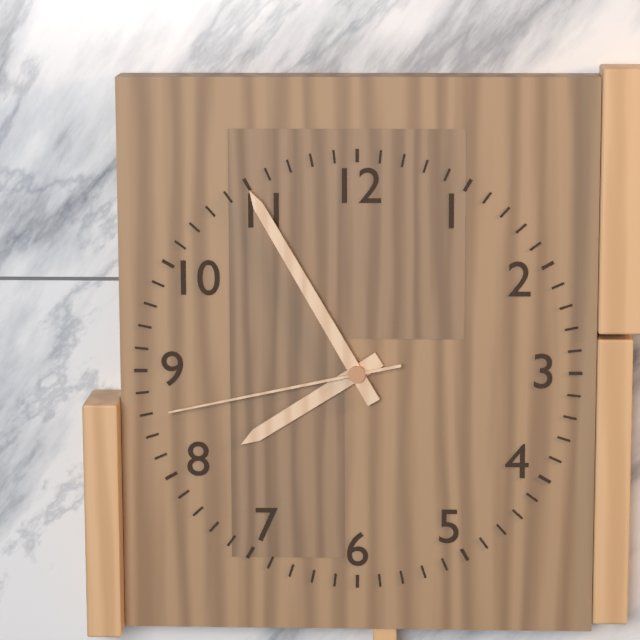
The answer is {"hour": 7, "minute": 55, "second": 43}
